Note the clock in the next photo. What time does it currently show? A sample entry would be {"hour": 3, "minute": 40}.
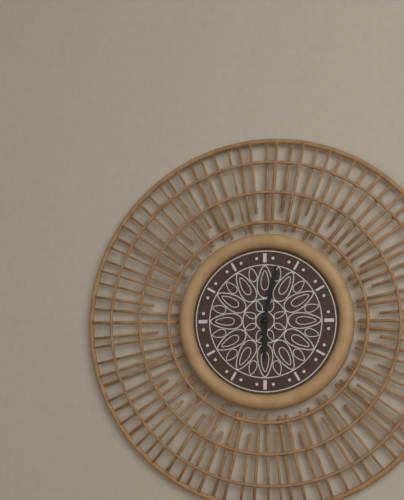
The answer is {"hour": 6, "minute": 2}
